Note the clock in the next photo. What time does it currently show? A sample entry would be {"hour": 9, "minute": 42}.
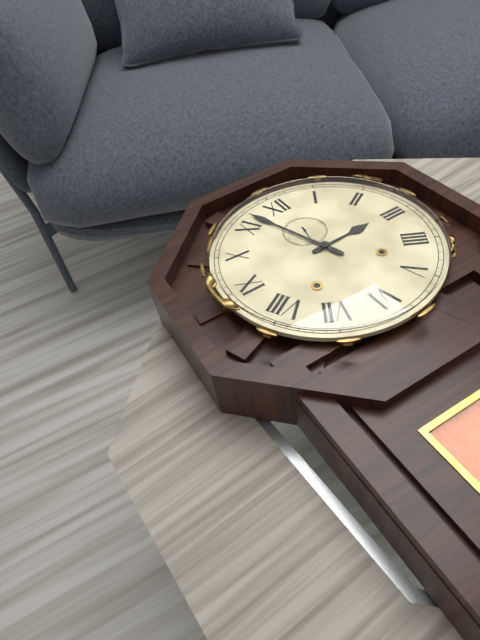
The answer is {"hour": 2, "minute": 57}
